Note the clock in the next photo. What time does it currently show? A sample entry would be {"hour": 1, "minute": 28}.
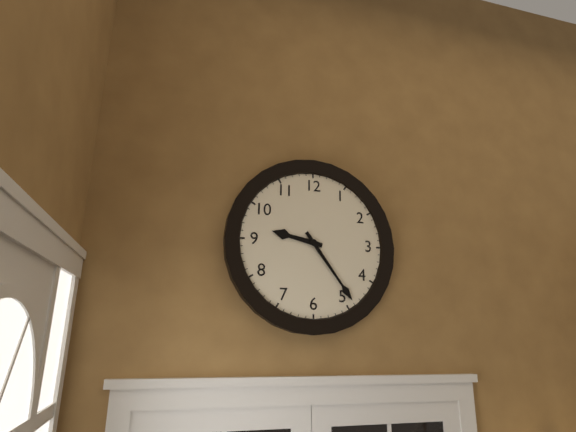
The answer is {"hour": 9, "minute": 24}
